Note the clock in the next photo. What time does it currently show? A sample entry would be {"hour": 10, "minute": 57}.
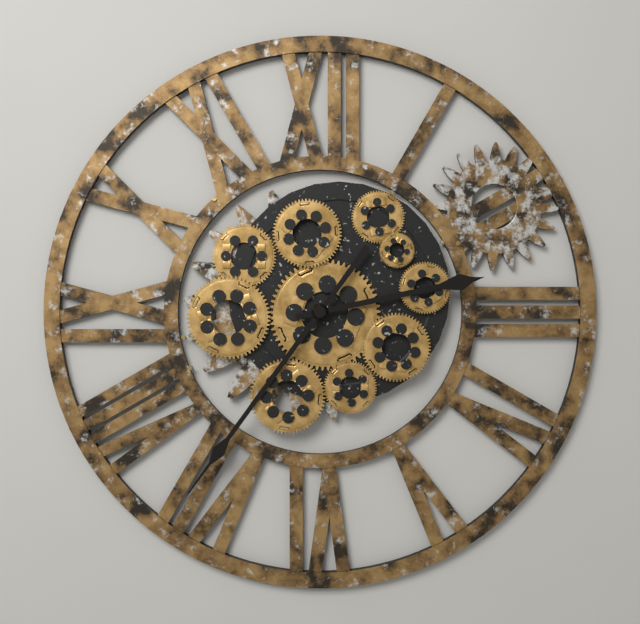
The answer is {"hour": 2, "minute": 36}
